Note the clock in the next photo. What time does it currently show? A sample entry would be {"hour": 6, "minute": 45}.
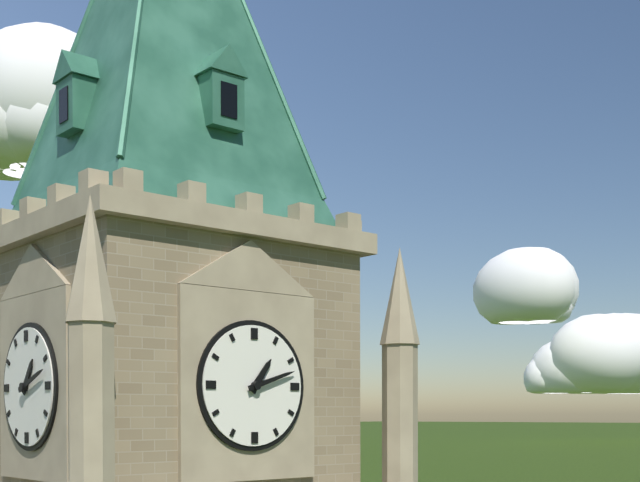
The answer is {"hour": 1, "minute": 12}
